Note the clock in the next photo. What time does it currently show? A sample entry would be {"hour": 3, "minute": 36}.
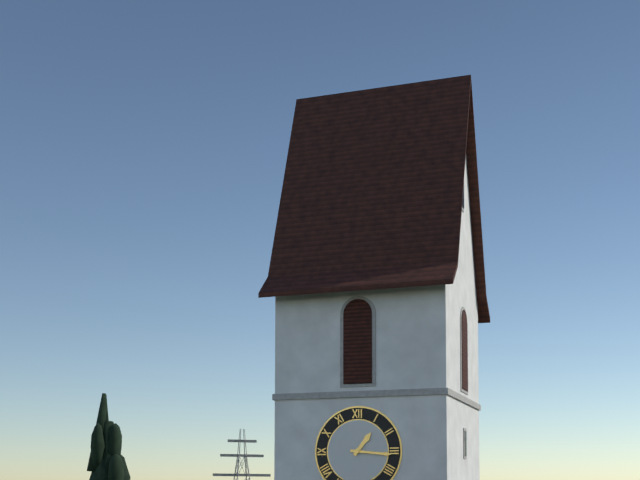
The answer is {"hour": 1, "minute": 16}
